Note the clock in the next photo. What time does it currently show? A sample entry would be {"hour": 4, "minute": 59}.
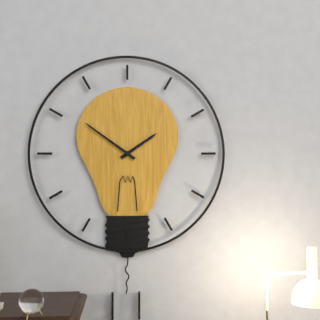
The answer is {"hour": 1, "minute": 51}
